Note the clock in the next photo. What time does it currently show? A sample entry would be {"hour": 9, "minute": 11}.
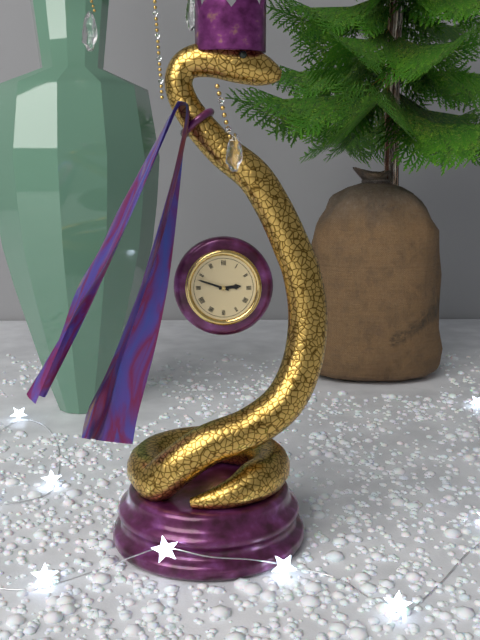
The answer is {"hour": 2, "minute": 48}
